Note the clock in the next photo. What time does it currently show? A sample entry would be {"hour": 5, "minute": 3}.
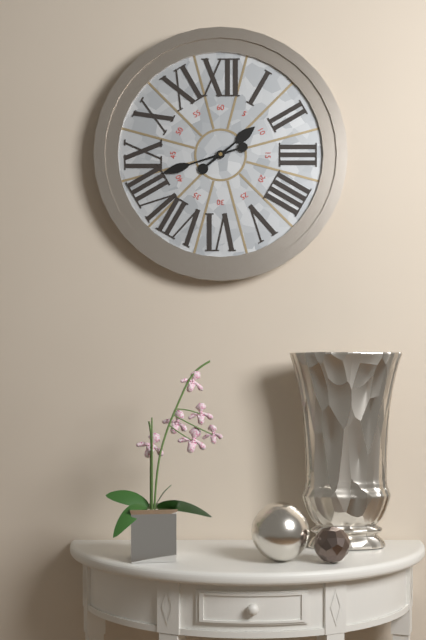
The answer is {"hour": 1, "minute": 42}
